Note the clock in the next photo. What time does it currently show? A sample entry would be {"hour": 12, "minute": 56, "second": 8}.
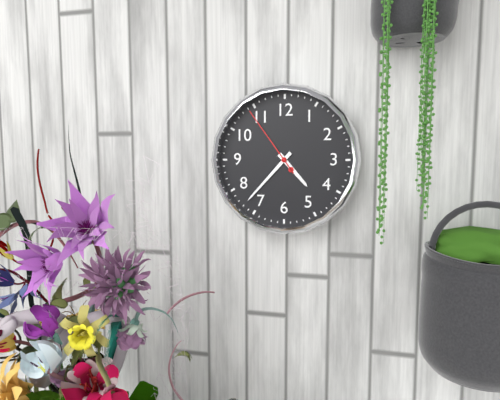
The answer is {"hour": 4, "minute": 37, "second": 54}
